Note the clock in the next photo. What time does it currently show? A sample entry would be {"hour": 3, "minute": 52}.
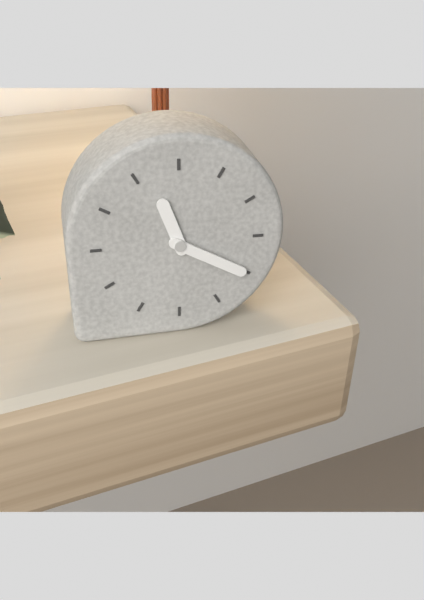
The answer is {"hour": 11, "minute": 20}
